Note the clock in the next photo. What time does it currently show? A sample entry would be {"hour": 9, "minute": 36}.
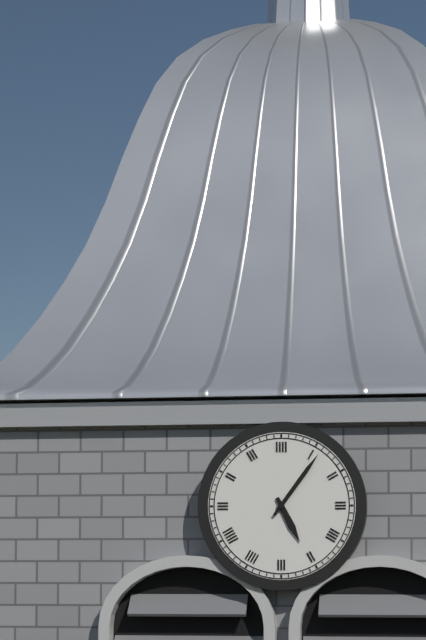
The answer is {"hour": 5, "minute": 6}
